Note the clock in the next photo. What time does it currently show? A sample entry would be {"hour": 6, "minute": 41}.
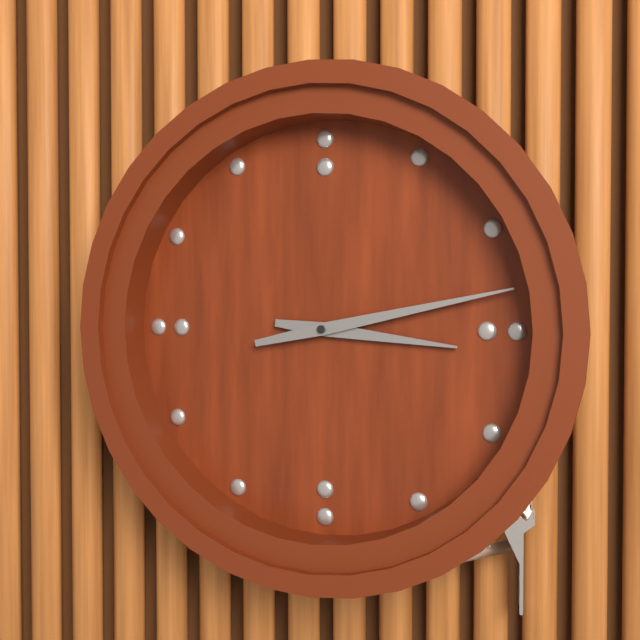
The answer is {"hour": 3, "minute": 13}
